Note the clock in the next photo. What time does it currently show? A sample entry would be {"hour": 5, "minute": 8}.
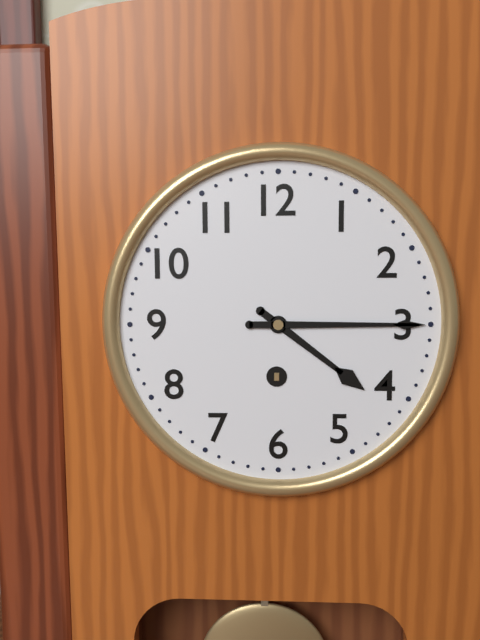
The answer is {"hour": 4, "minute": 15}
